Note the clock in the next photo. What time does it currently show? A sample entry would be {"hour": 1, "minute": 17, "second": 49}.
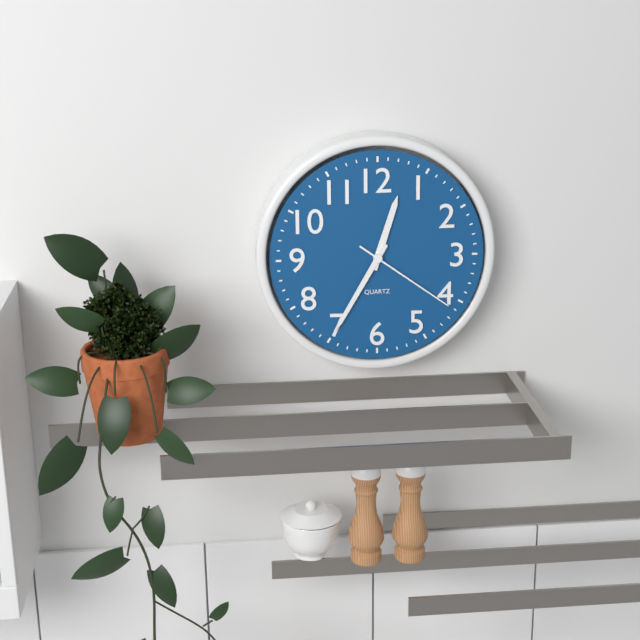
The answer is {"hour": 12, "minute": 35, "second": 21}
